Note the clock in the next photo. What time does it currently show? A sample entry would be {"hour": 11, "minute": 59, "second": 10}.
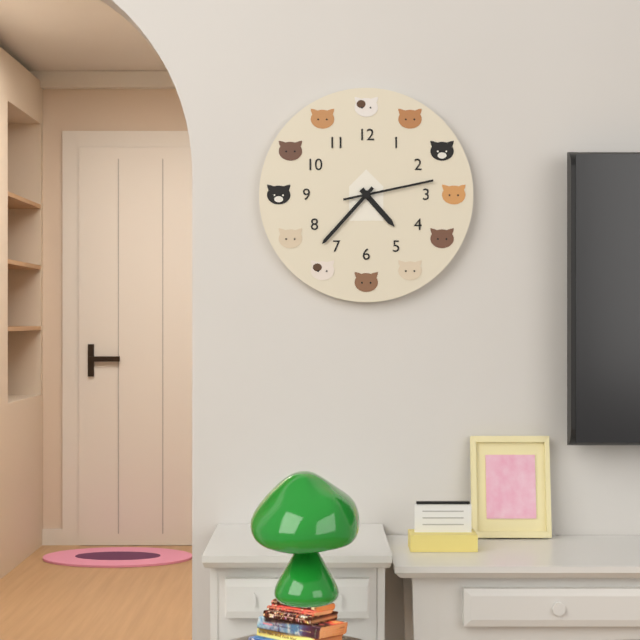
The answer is {"hour": 4, "minute": 37, "second": 13}
